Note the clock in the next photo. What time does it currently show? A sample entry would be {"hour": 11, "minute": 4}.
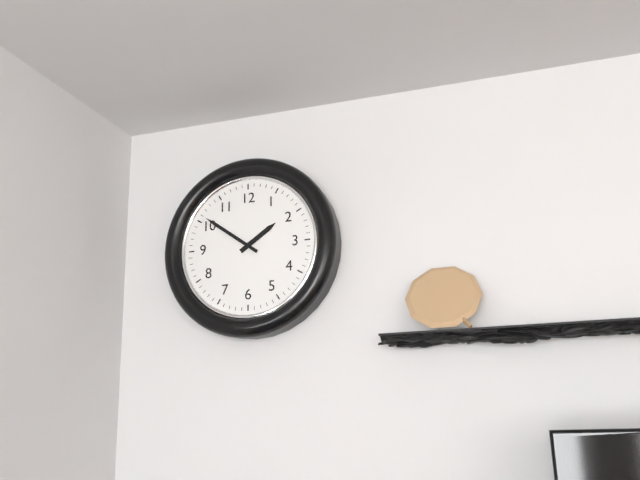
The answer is {"hour": 1, "minute": 51}
